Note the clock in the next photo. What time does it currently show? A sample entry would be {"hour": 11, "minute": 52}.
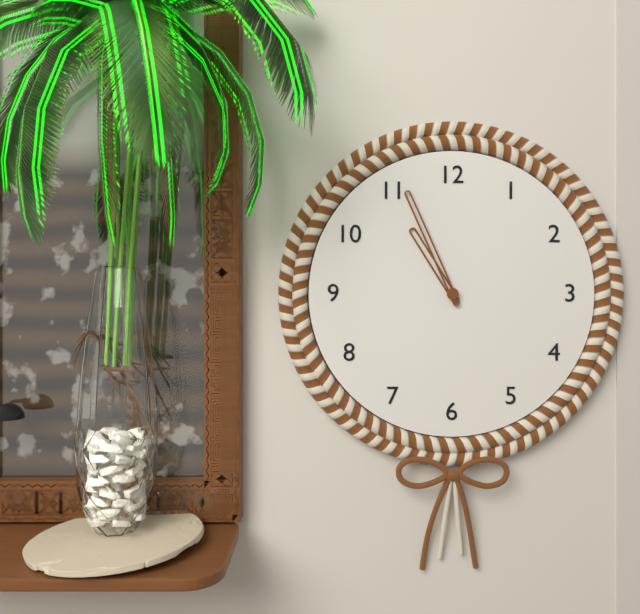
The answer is {"hour": 10, "minute": 56}
